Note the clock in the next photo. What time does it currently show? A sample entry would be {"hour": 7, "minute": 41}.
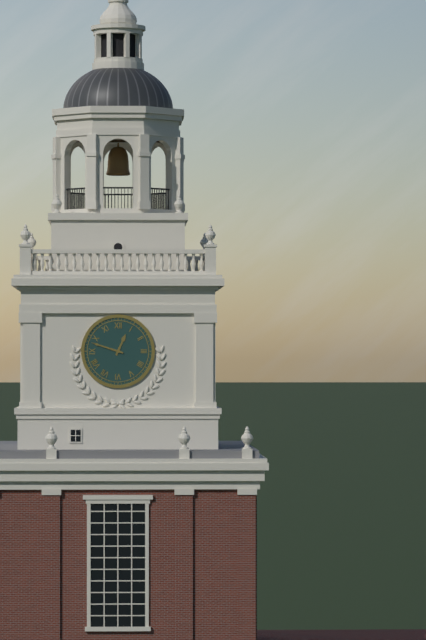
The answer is {"hour": 12, "minute": 48}
